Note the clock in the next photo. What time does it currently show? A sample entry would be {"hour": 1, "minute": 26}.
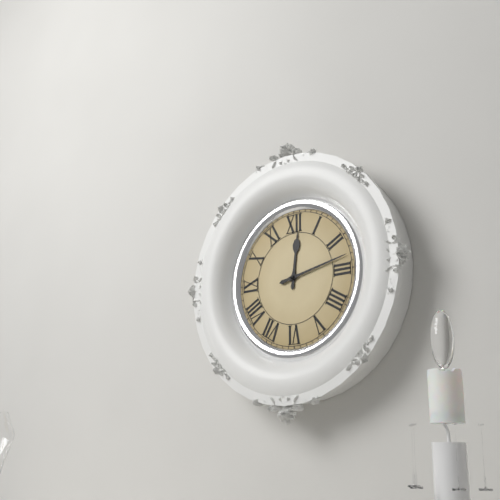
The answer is {"hour": 12, "minute": 13}
